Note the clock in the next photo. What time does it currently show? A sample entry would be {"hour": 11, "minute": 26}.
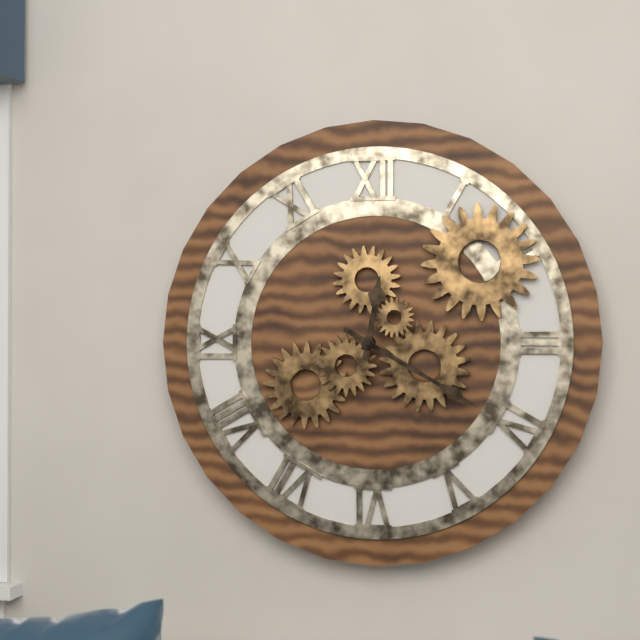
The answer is {"hour": 12, "minute": 20}
